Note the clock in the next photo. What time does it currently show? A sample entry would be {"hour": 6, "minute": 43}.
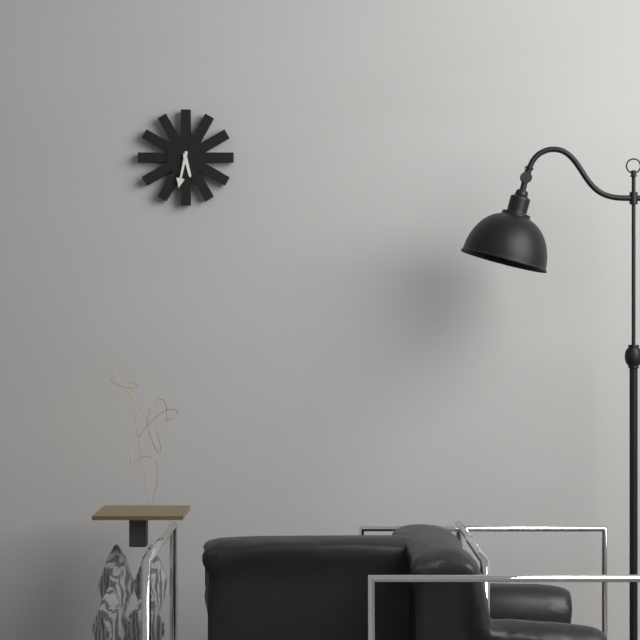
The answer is {"hour": 5, "minute": 32}
